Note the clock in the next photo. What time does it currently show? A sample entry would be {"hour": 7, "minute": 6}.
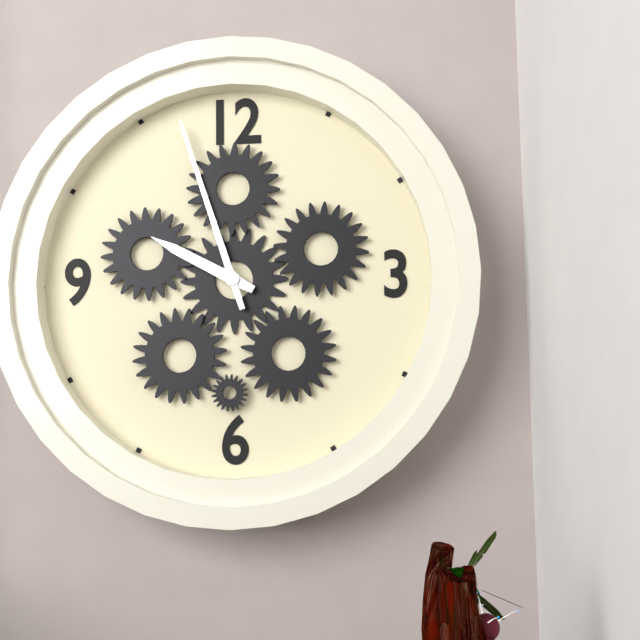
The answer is {"hour": 9, "minute": 57}
